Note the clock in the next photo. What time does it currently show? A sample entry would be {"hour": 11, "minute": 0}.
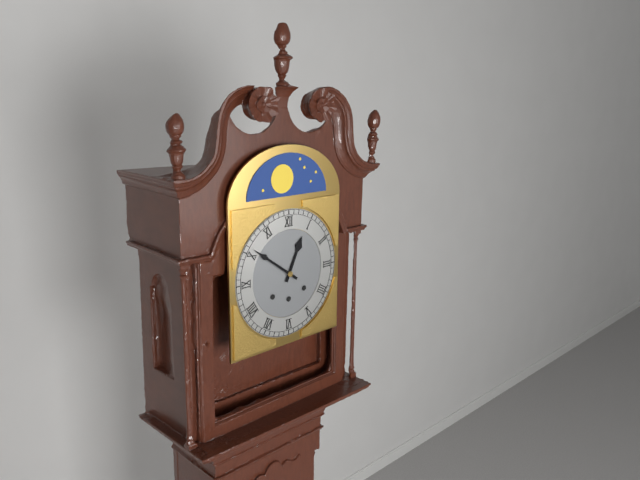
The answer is {"hour": 12, "minute": 51}
